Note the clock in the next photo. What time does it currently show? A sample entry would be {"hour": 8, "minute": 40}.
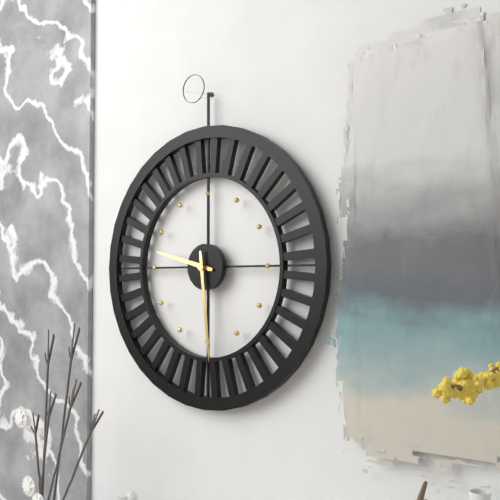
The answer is {"hour": 9, "minute": 29}
